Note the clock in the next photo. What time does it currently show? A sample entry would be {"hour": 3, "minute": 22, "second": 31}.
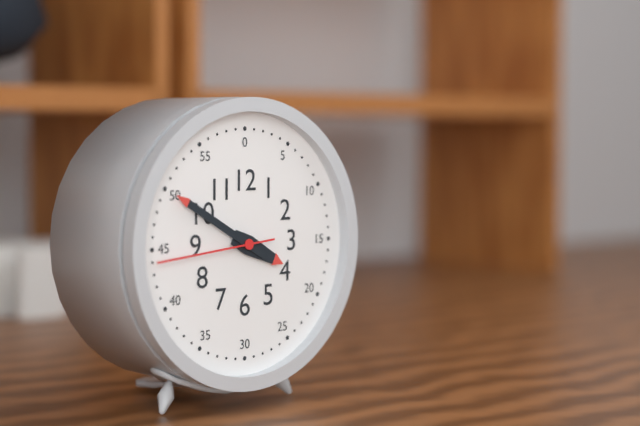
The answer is {"hour": 3, "minute": 50, "second": 44}
